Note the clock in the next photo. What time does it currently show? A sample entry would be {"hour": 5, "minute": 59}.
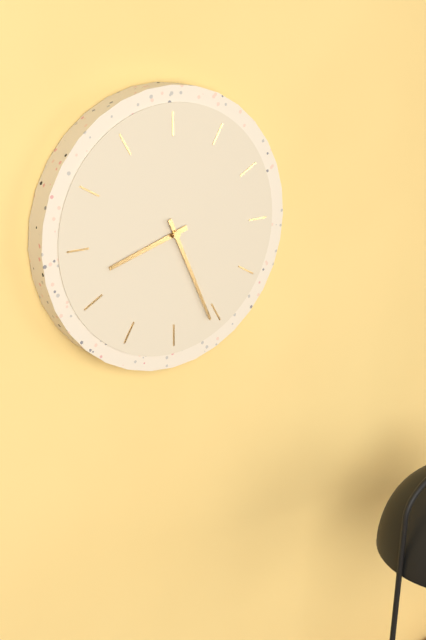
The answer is {"hour": 8, "minute": 26}
